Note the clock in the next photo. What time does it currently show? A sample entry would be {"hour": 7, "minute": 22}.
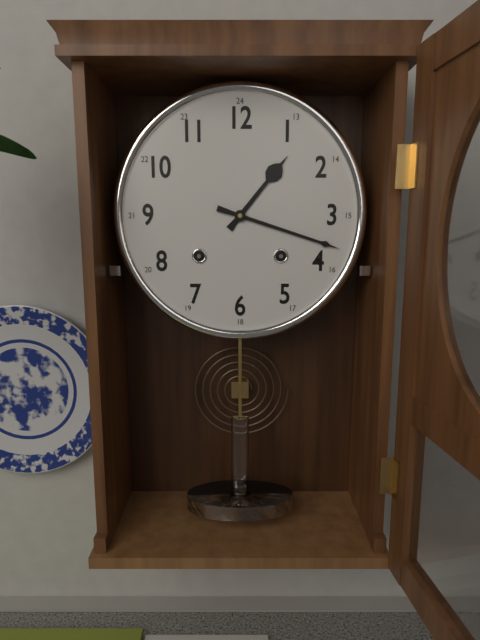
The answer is {"hour": 1, "minute": 18}
